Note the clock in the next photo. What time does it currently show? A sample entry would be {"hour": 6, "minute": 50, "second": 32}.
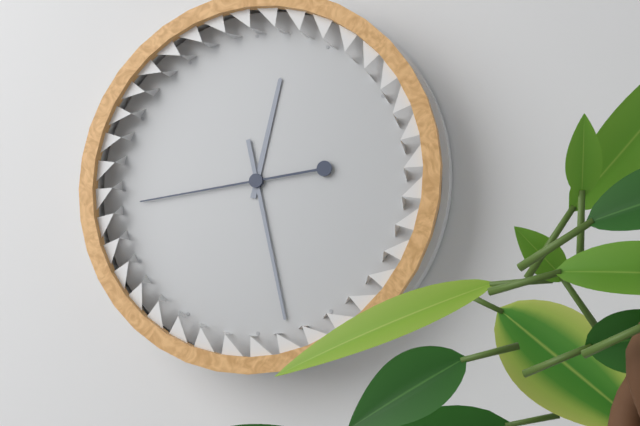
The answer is {"hour": 12, "minute": 28, "second": 44}
